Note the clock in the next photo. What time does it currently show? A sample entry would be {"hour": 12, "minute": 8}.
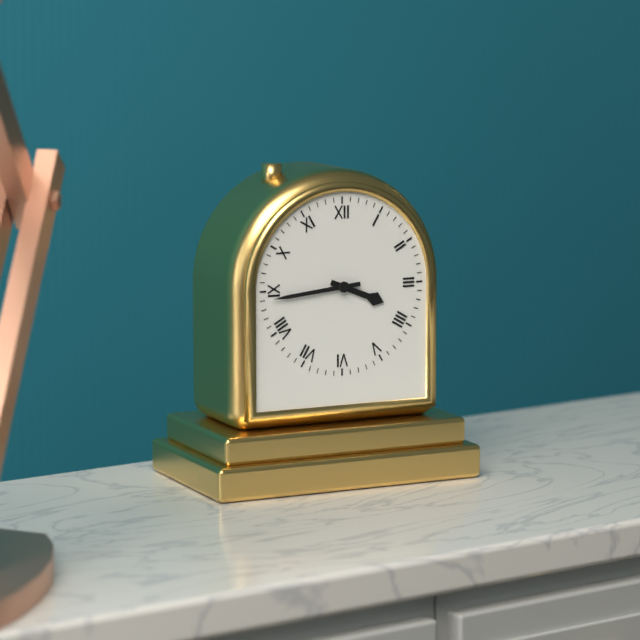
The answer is {"hour": 3, "minute": 44}
